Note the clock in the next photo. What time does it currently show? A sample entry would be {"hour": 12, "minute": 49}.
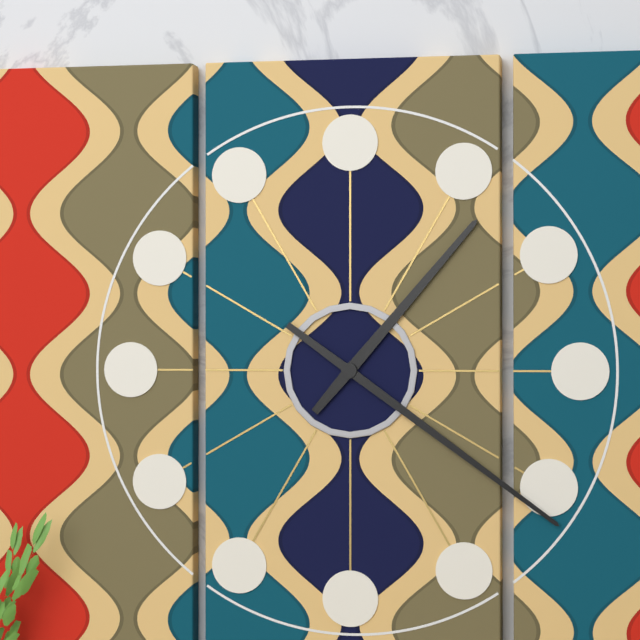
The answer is {"hour": 1, "minute": 21}
